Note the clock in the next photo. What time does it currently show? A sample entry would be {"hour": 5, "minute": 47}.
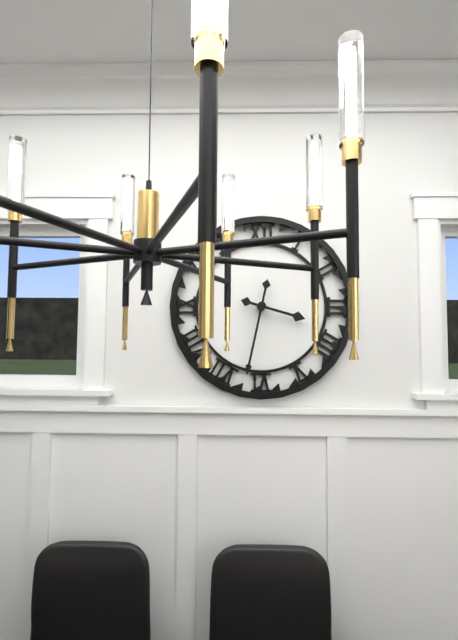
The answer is {"hour": 3, "minute": 32}
